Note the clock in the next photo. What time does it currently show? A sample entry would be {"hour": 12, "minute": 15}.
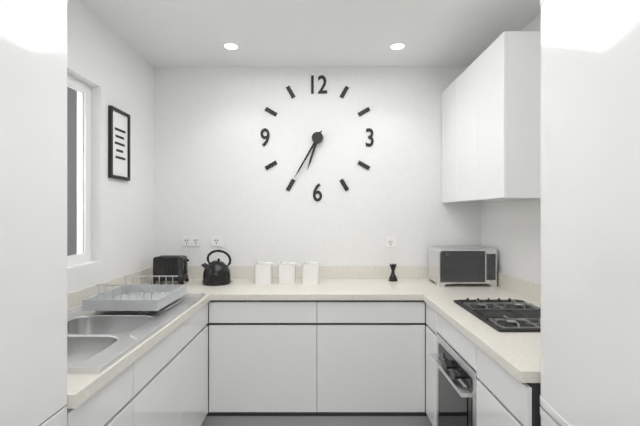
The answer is {"hour": 6, "minute": 35}
